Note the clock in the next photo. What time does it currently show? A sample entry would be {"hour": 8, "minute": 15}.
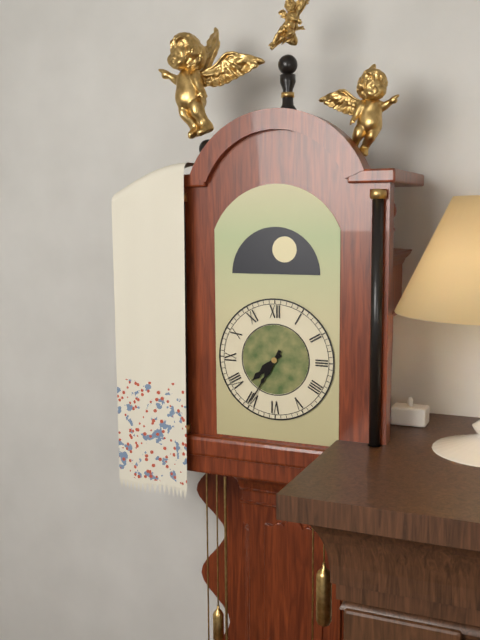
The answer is {"hour": 7, "minute": 35}
